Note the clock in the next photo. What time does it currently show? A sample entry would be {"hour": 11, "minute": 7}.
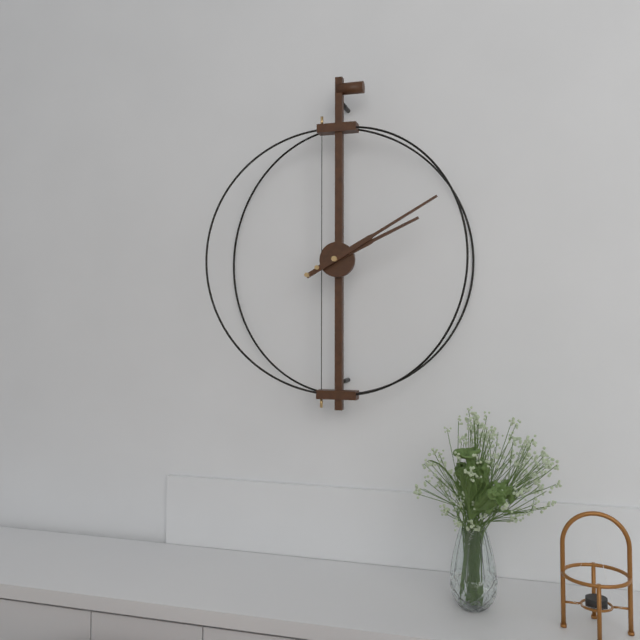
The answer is {"hour": 2, "minute": 10}
